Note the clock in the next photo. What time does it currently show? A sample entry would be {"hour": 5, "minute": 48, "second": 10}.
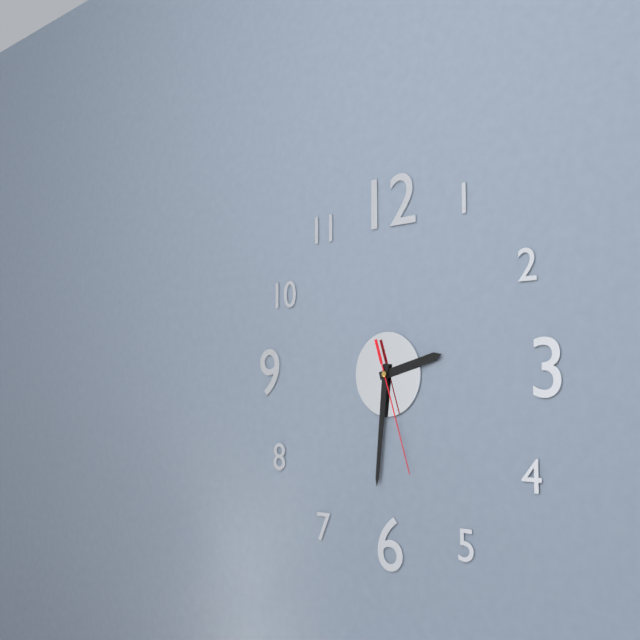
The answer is {"hour": 2, "minute": 31, "second": 27}
